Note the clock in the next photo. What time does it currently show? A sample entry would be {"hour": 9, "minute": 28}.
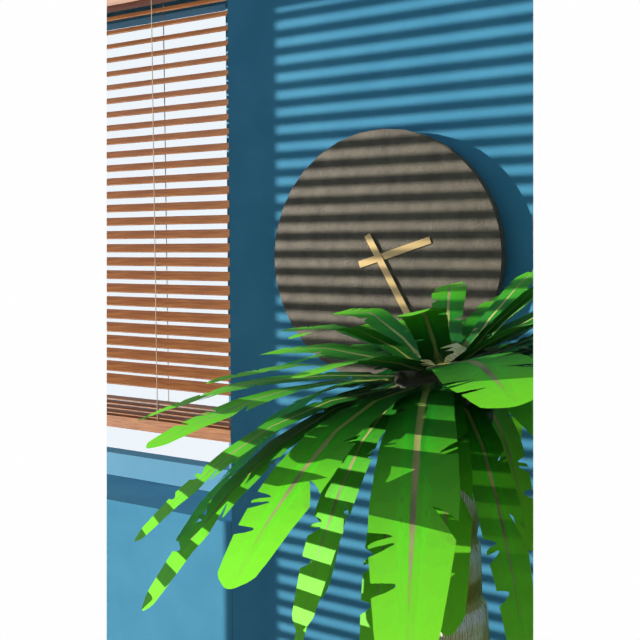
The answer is {"hour": 2, "minute": 25}
